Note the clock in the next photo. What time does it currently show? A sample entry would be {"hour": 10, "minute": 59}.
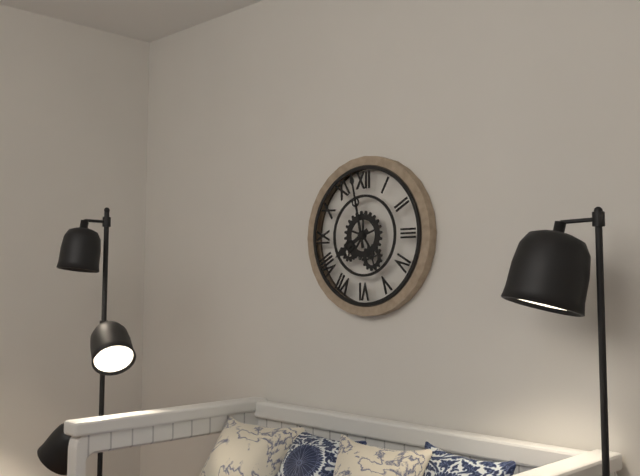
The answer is {"hour": 7, "minute": 58}
